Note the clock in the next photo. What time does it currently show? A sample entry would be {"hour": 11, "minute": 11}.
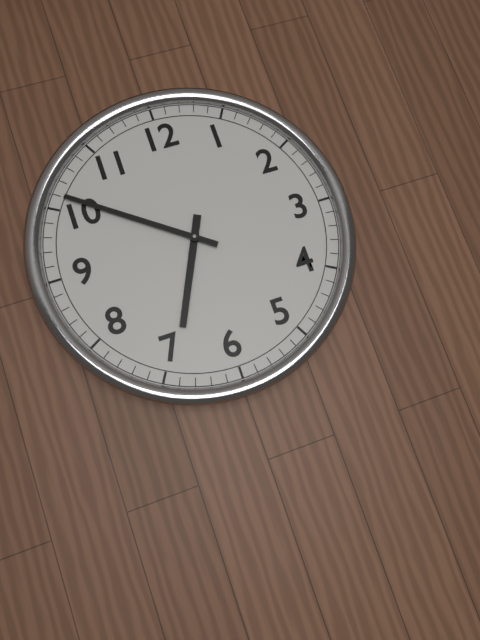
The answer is {"hour": 6, "minute": 51}
